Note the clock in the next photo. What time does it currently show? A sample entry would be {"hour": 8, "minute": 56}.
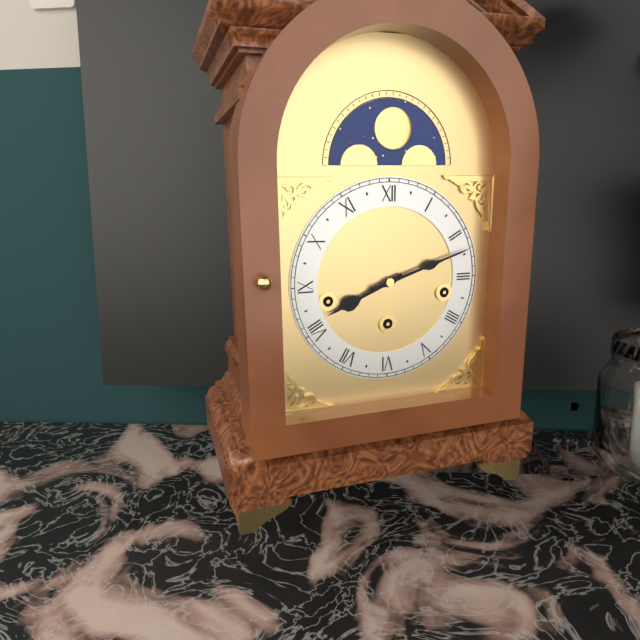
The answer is {"hour": 8, "minute": 12}
